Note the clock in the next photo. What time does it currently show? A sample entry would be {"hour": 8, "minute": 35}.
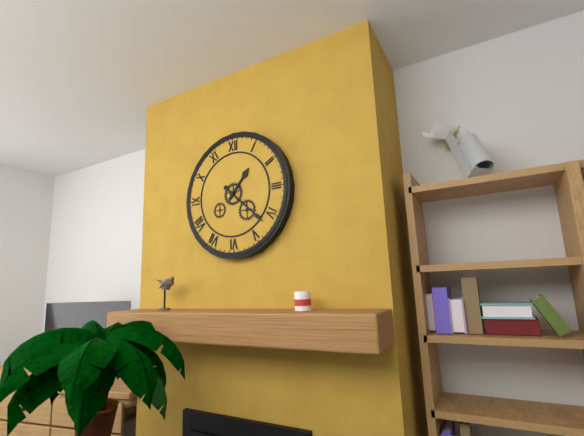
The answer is {"hour": 1, "minute": 22}
